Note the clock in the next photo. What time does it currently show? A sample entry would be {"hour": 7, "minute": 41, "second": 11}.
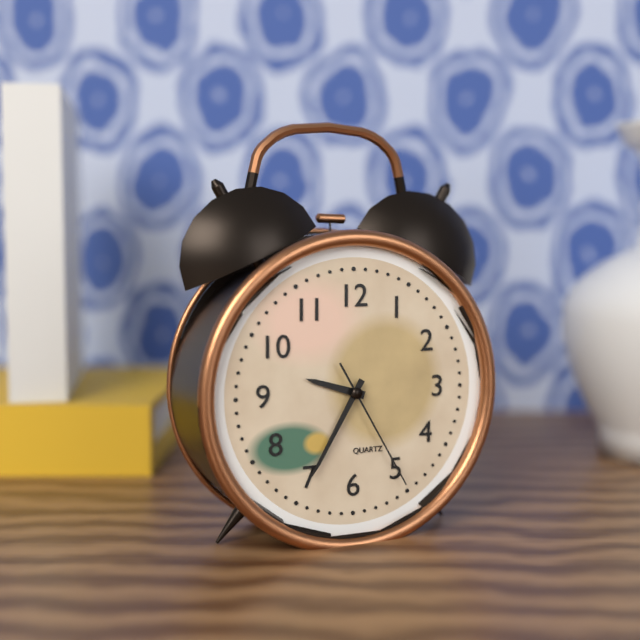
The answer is {"hour": 9, "minute": 35, "second": 25}
